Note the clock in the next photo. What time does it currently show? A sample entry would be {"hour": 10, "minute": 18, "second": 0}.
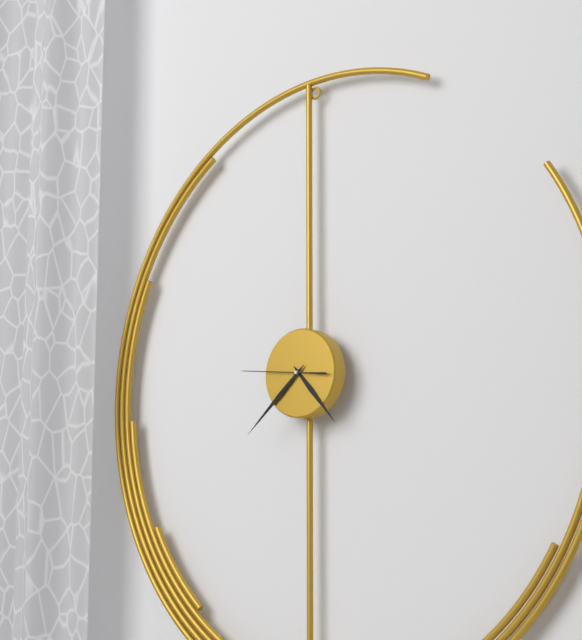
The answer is {"hour": 4, "minute": 38, "second": 46}
